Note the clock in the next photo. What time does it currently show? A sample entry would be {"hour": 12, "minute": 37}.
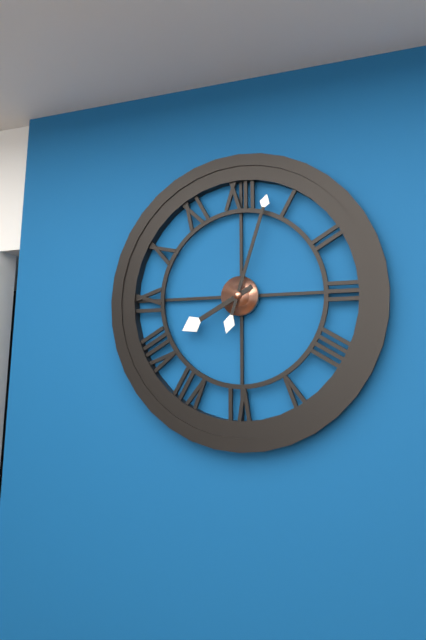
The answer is {"hour": 8, "minute": 3}
